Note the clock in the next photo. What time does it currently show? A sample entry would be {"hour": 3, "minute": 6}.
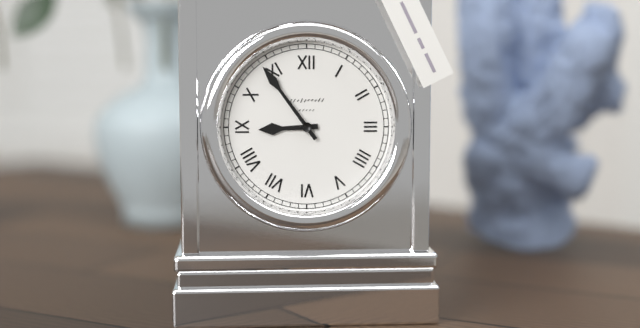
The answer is {"hour": 8, "minute": 54}
